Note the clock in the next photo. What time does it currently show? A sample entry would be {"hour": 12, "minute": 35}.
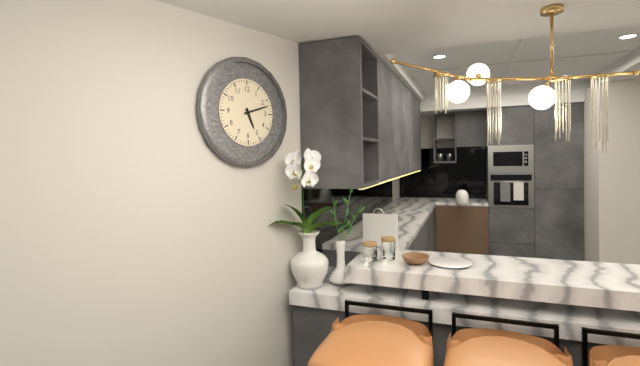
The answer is {"hour": 5, "minute": 12}
